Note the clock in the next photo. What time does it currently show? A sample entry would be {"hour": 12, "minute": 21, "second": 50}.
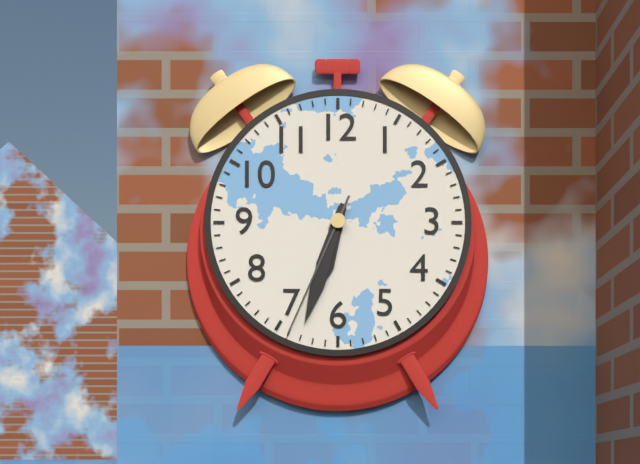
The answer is {"hour": 6, "minute": 33, "second": 34}
